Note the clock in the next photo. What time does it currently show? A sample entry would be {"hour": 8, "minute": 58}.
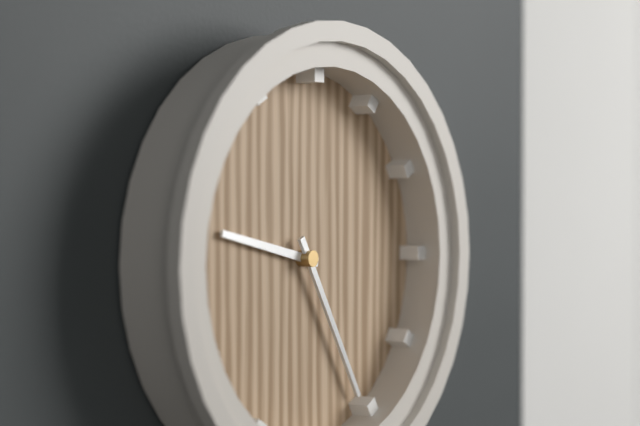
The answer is {"hour": 9, "minute": 25}
